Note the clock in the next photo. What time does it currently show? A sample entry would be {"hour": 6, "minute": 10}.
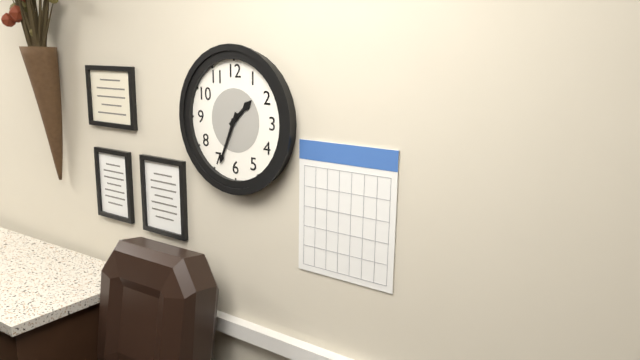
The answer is {"hour": 1, "minute": 34}
